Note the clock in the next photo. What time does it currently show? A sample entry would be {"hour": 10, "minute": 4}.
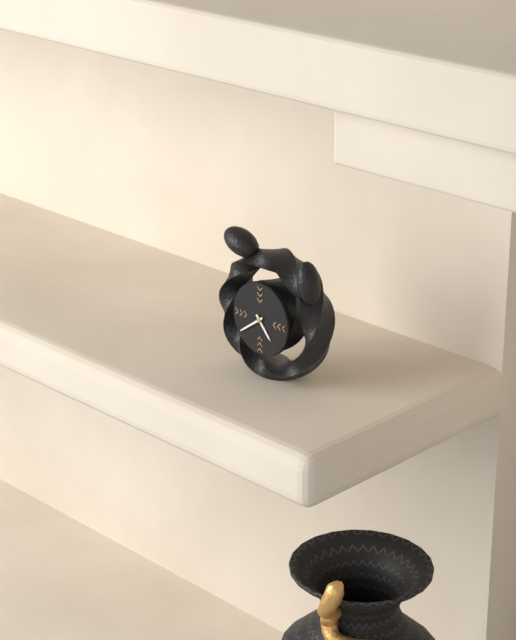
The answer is {"hour": 4, "minute": 39}
